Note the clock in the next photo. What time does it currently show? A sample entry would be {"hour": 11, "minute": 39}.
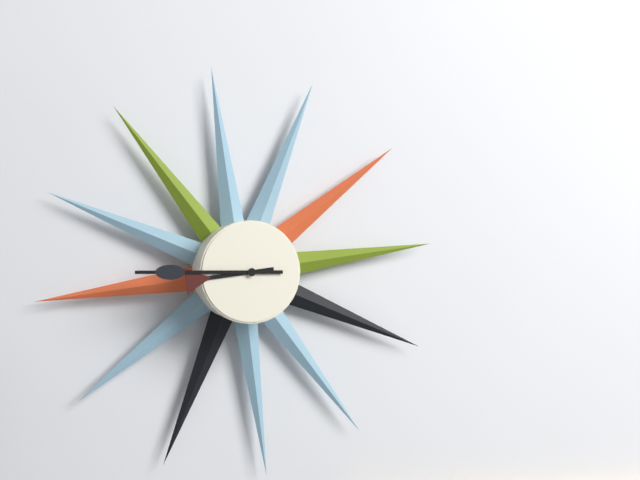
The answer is {"hour": 8, "minute": 45}
